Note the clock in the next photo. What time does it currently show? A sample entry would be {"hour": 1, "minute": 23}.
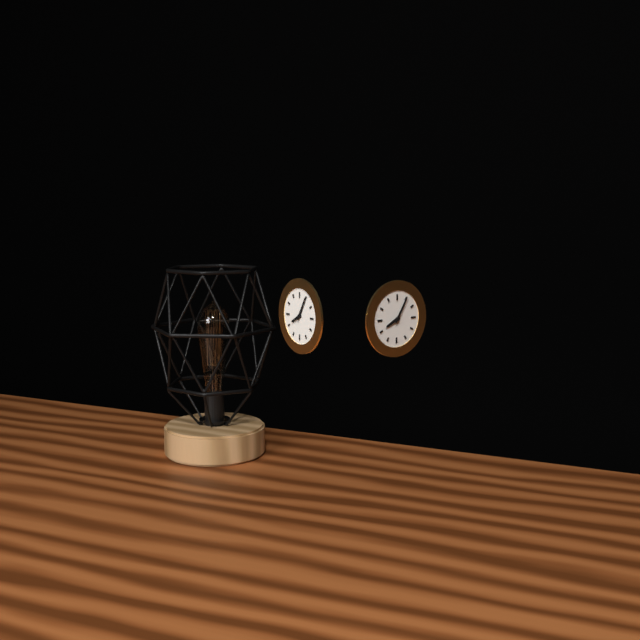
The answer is {"hour": 8, "minute": 5}
